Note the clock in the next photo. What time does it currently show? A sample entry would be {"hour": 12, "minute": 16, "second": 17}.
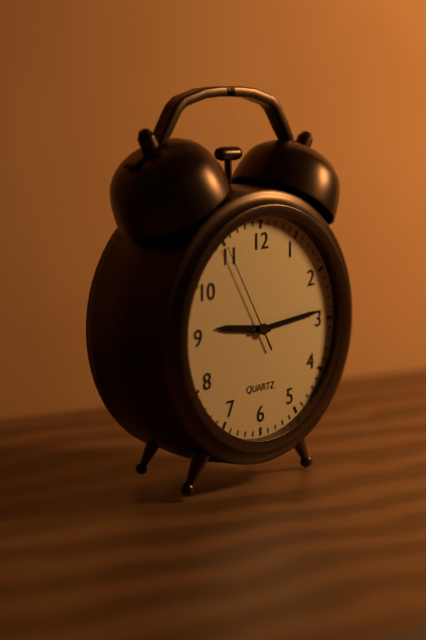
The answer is {"hour": 9, "minute": 14, "second": 55}
